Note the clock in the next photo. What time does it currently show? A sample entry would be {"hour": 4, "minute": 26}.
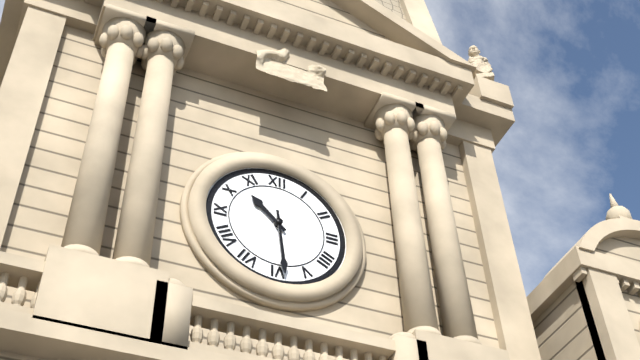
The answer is {"hour": 10, "minute": 29}
